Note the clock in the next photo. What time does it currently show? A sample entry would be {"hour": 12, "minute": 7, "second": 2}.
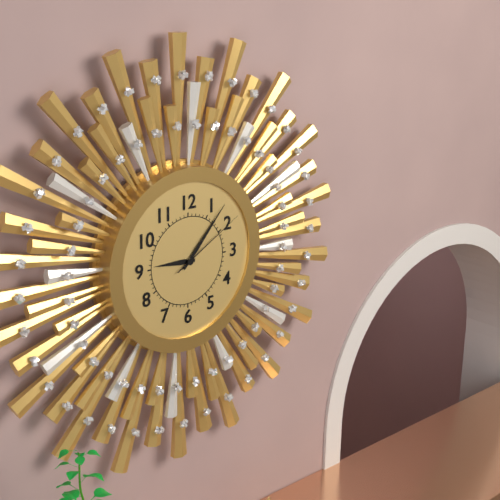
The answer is {"hour": 9, "minute": 7, "second": 10}
